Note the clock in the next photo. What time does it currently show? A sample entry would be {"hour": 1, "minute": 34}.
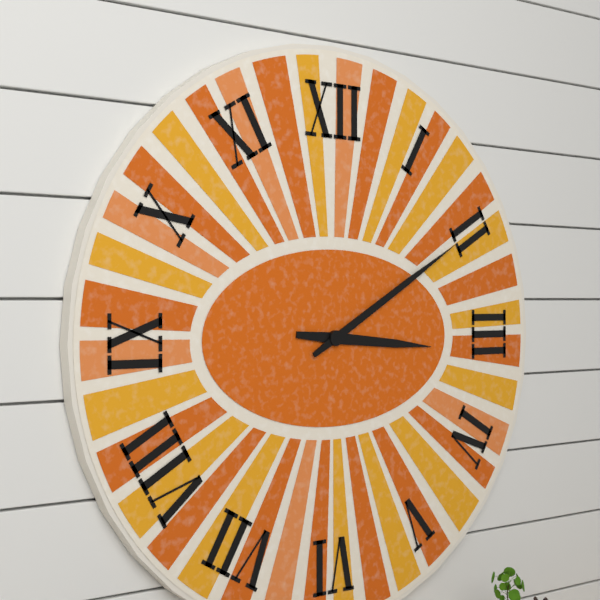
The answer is {"hour": 3, "minute": 10}
